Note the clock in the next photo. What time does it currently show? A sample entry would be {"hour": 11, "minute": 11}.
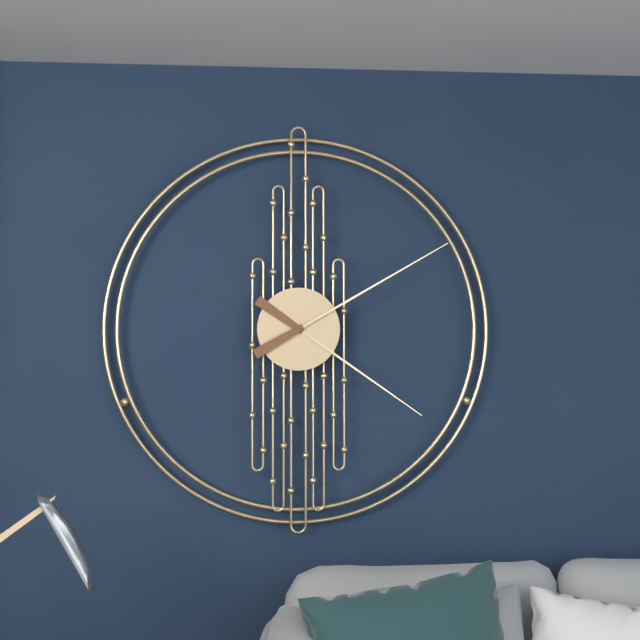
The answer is {"hour": 4, "minute": 10}
